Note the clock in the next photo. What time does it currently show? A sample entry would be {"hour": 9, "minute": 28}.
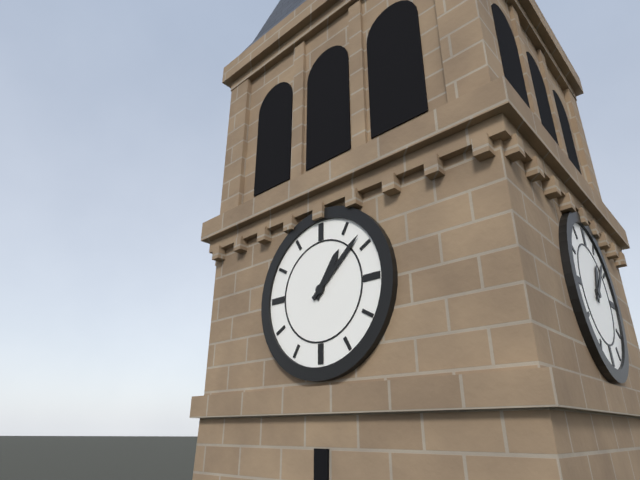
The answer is {"hour": 1, "minute": 8}
